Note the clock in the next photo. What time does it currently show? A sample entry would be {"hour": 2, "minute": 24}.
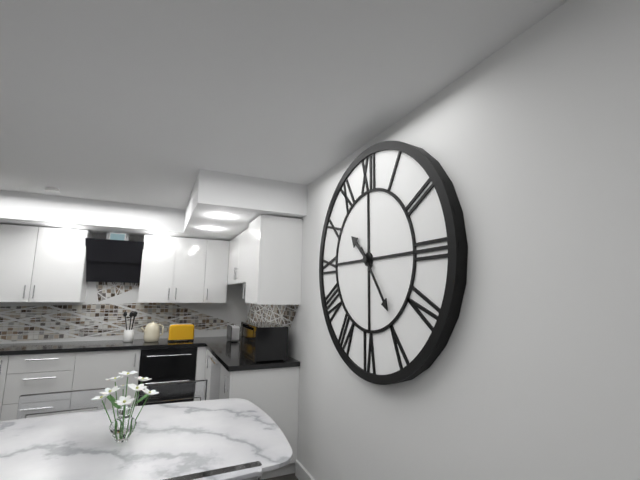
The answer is {"hour": 10, "minute": 24}
